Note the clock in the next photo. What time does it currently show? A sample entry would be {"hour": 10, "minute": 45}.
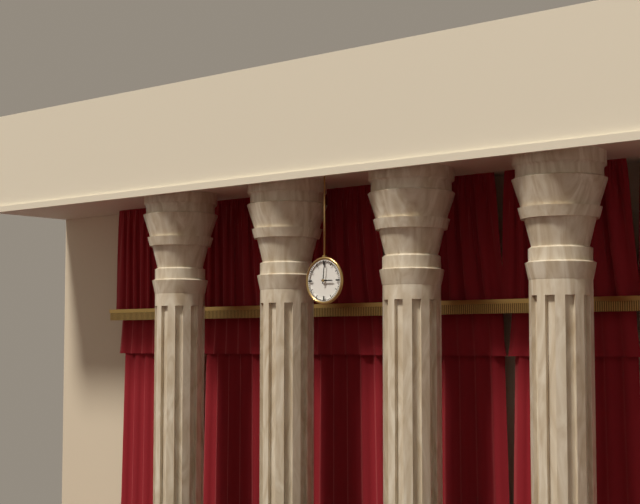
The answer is {"hour": 3, "minute": 1}
